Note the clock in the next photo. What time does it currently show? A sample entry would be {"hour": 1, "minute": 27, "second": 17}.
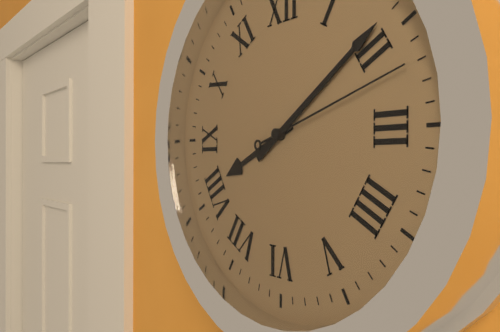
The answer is {"hour": 8, "minute": 9, "second": 12}
